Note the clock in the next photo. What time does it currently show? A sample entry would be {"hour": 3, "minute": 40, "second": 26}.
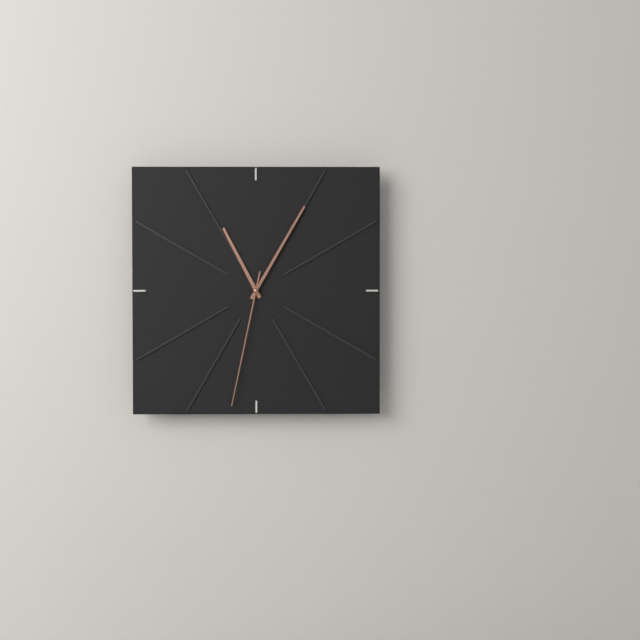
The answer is {"hour": 11, "minute": 5, "second": 32}
